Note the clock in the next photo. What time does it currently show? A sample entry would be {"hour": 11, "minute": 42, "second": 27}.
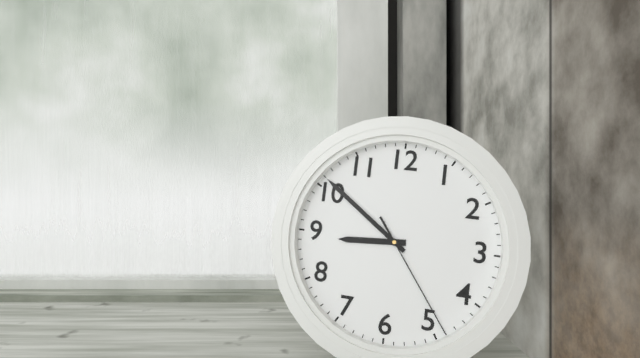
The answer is {"hour": 8, "minute": 51, "second": 24}
